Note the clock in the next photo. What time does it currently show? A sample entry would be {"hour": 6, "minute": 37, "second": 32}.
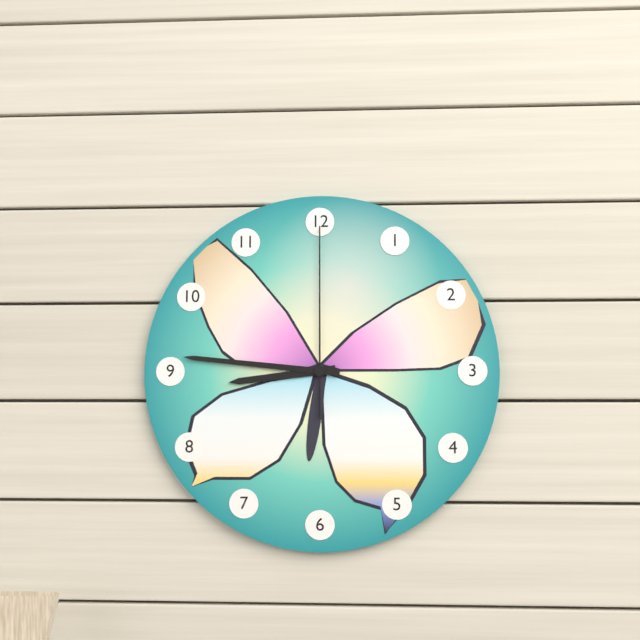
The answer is {"hour": 8, "minute": 46, "second": 0}
